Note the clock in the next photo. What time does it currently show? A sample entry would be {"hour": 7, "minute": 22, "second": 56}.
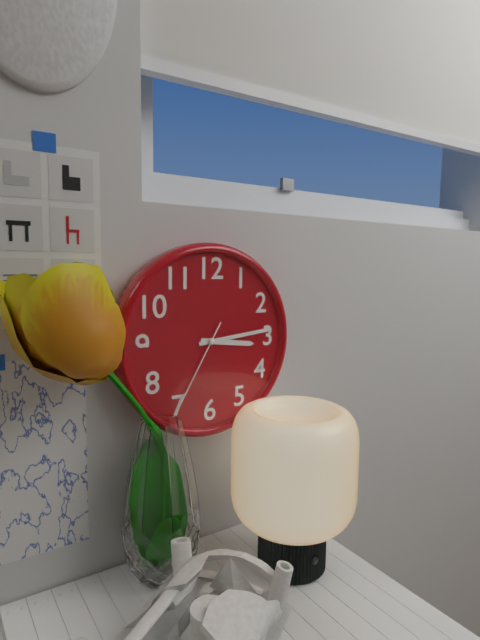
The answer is {"hour": 3, "minute": 14, "second": 35}
